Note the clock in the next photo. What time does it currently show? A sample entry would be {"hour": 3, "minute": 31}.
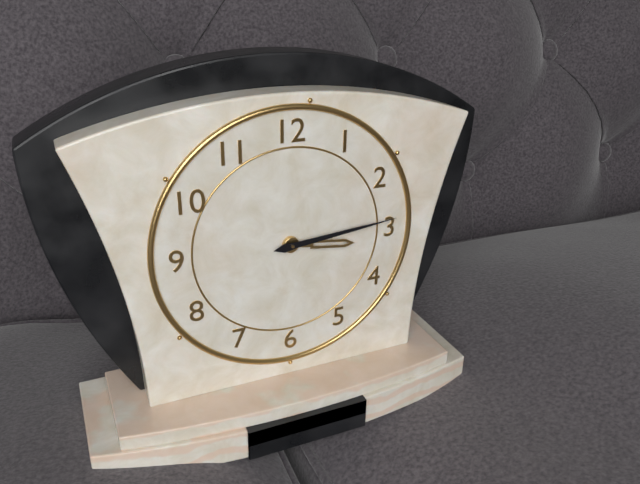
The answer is {"hour": 3, "minute": 14}
